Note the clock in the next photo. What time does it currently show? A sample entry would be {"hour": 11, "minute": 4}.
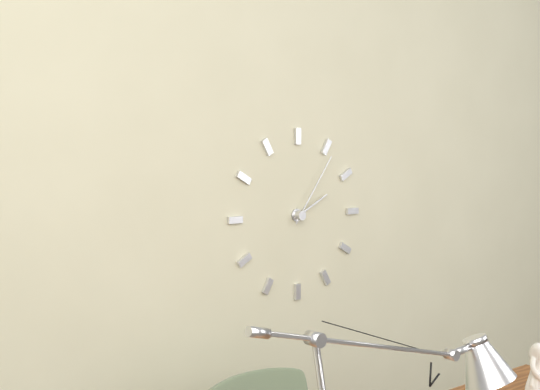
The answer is {"hour": 2, "minute": 6}
